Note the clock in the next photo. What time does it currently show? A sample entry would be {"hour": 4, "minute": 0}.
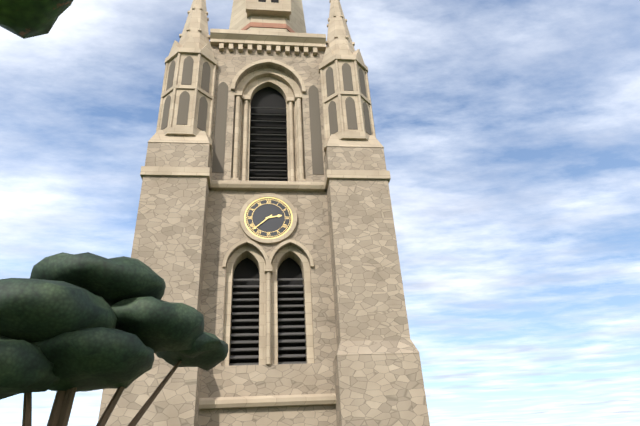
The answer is {"hour": 2, "minute": 38}
